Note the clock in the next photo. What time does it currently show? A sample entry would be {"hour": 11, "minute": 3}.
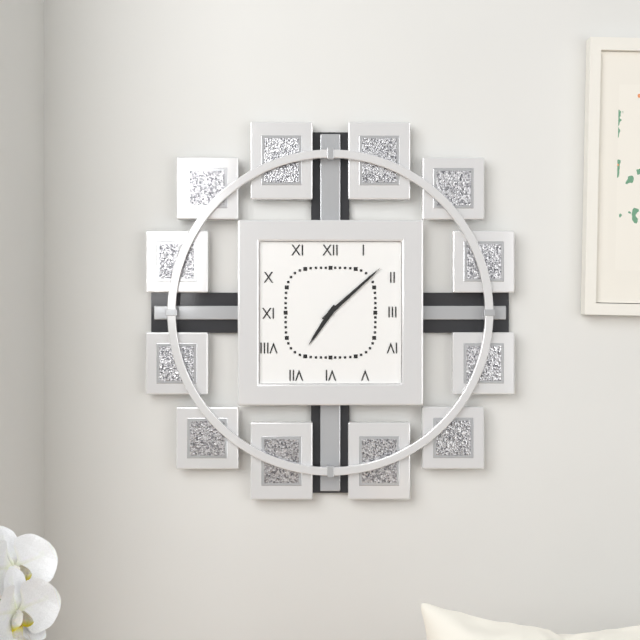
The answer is {"hour": 7, "minute": 8}
